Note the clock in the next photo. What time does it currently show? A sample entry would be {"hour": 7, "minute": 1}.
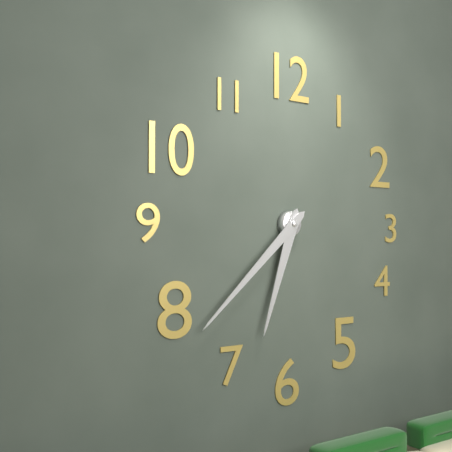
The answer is {"hour": 6, "minute": 38}
